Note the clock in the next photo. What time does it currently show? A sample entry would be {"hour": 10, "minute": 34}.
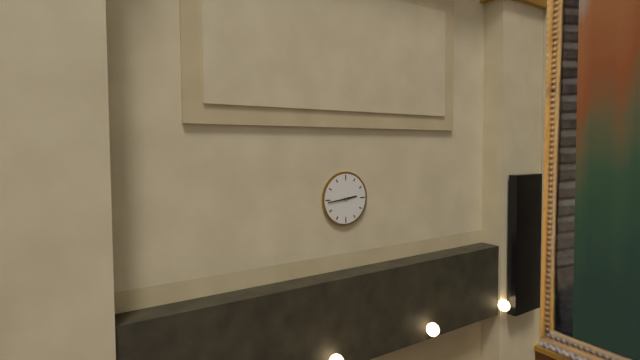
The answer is {"hour": 2, "minute": 44}
